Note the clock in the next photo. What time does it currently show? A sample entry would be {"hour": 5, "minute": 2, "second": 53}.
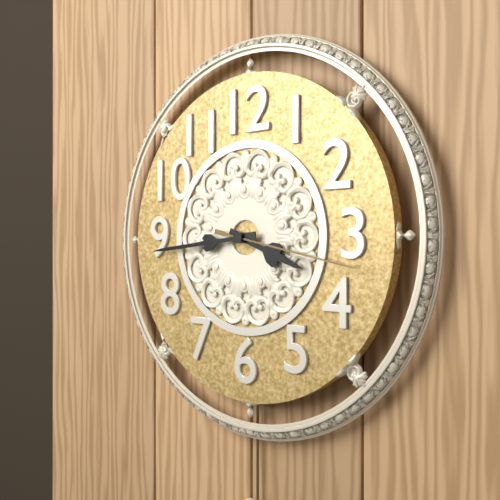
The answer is {"hour": 3, "minute": 44, "second": 17}
